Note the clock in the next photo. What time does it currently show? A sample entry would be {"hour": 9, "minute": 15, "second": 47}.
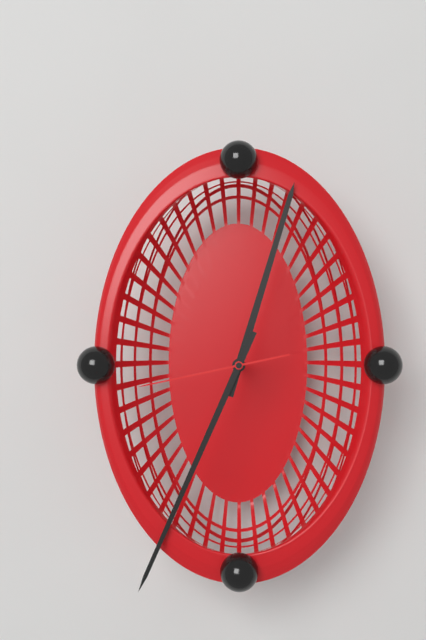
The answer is {"hour": 12, "minute": 34, "second": 43}
